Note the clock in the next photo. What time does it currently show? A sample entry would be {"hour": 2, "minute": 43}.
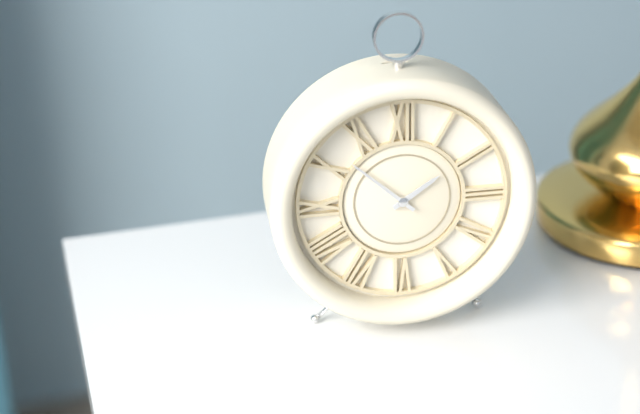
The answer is {"hour": 1, "minute": 52}
